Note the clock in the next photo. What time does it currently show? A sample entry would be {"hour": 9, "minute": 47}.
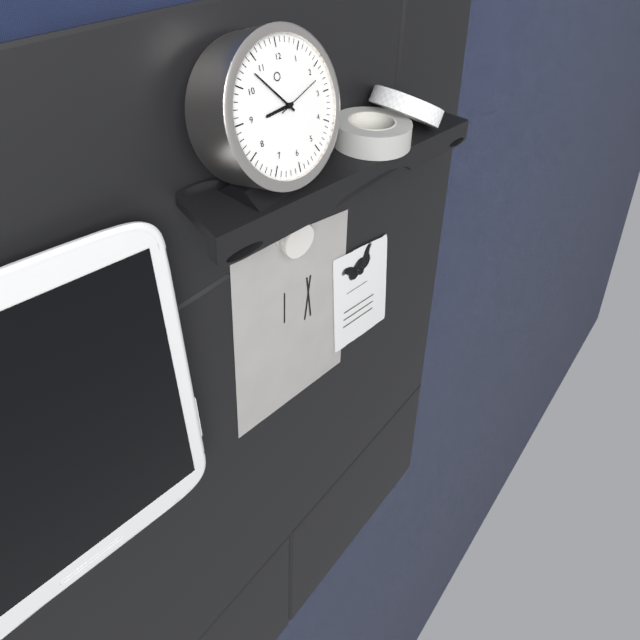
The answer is {"hour": 8, "minute": 53}
